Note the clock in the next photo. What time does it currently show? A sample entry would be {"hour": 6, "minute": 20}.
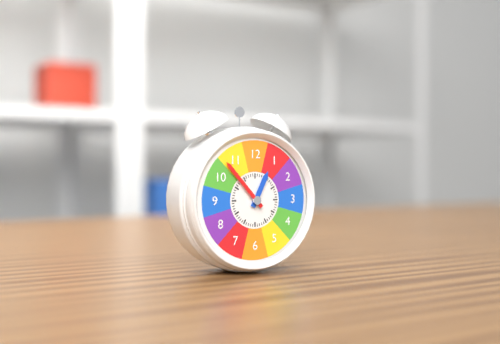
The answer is {"hour": 12, "minute": 53}
